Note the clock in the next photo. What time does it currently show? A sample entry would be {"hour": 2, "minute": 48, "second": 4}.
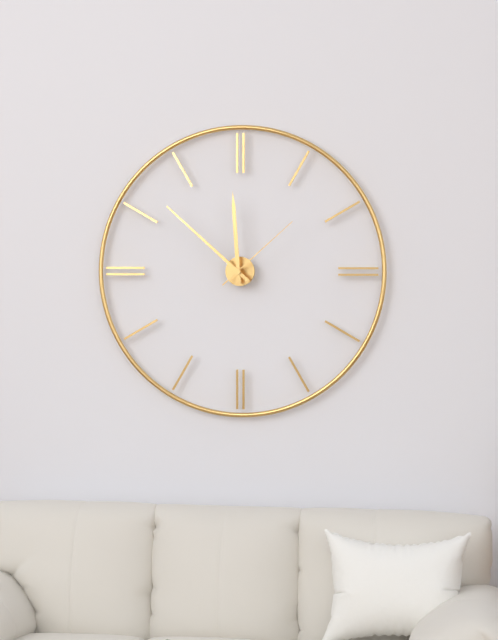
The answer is {"hour": 11, "minute": 52, "second": 8}
